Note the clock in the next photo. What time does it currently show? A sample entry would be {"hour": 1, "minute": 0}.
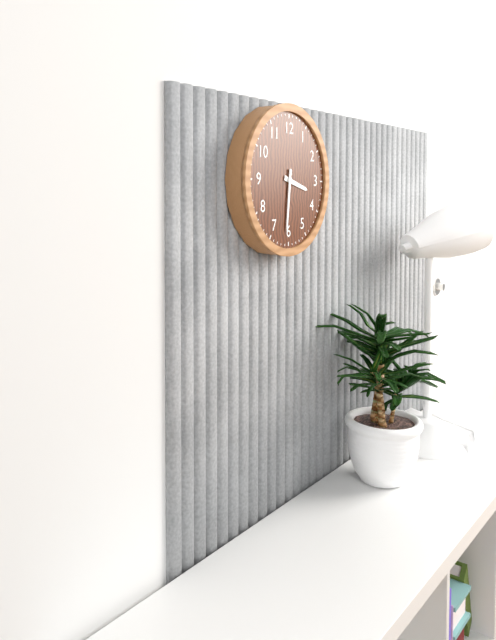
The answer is {"hour": 3, "minute": 31}
